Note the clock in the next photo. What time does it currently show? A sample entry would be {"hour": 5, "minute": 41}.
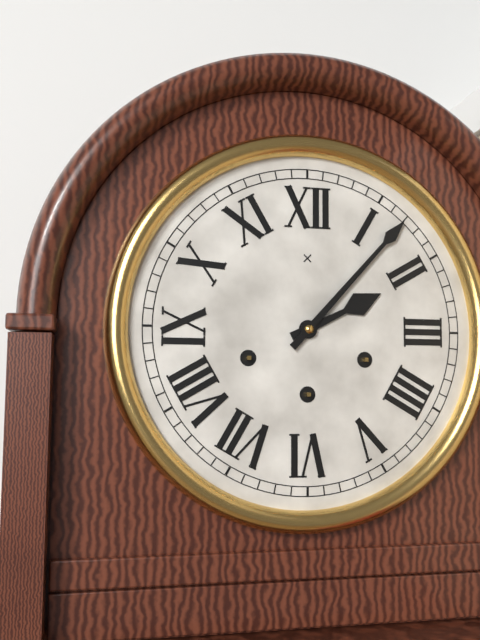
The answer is {"hour": 2, "minute": 7}
